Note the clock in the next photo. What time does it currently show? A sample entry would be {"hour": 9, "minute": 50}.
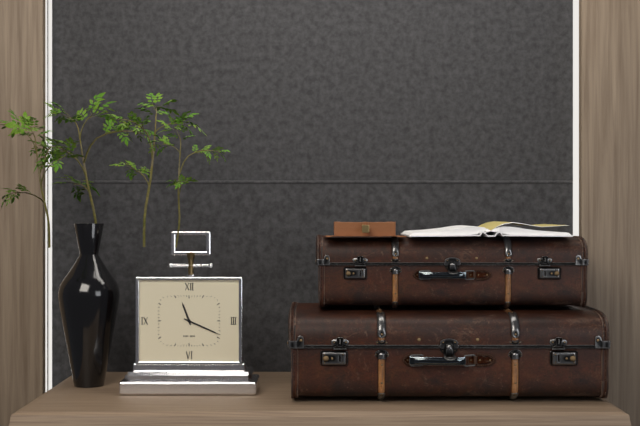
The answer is {"hour": 11, "minute": 19}
